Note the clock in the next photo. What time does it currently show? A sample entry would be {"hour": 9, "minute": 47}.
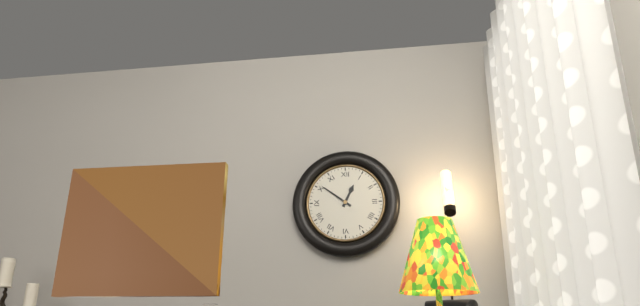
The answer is {"hour": 12, "minute": 51}
